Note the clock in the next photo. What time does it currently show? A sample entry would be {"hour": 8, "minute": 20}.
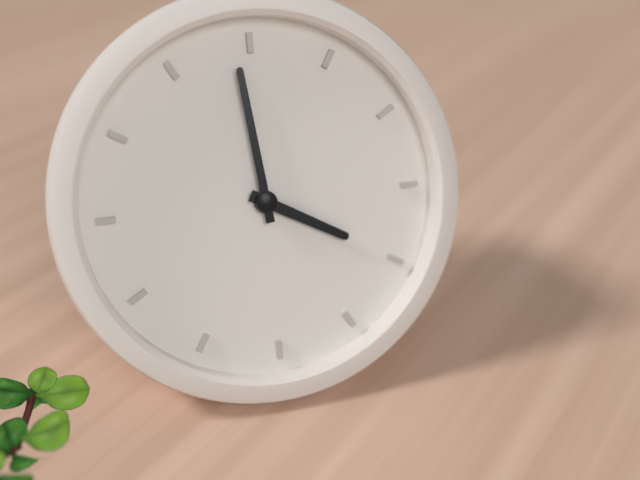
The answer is {"hour": 3, "minute": 59}
